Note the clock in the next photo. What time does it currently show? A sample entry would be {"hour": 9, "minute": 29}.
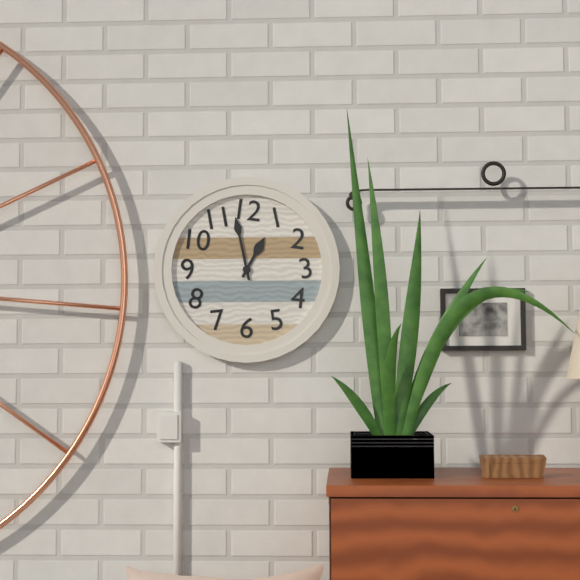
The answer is {"hour": 12, "minute": 58}
